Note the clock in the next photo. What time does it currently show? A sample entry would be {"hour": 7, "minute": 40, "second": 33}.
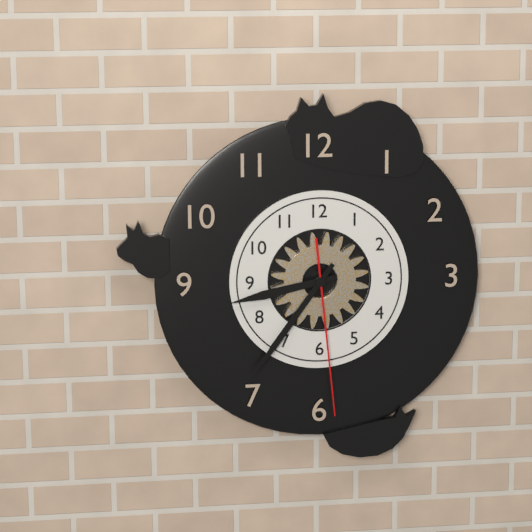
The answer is {"hour": 8, "minute": 36, "second": 29}
